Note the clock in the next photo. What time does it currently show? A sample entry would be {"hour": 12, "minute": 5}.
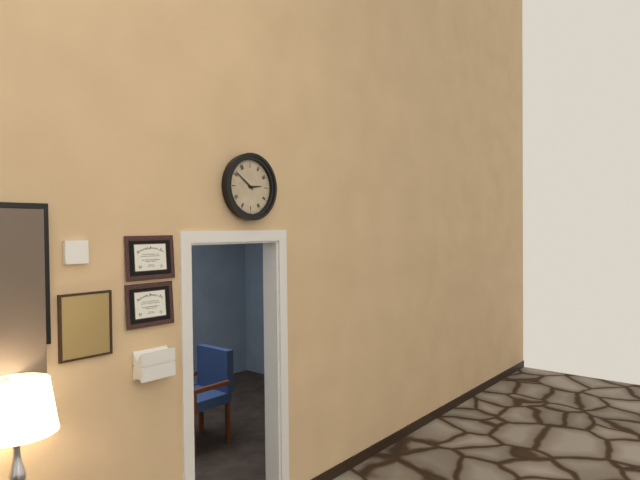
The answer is {"hour": 2, "minute": 51}
